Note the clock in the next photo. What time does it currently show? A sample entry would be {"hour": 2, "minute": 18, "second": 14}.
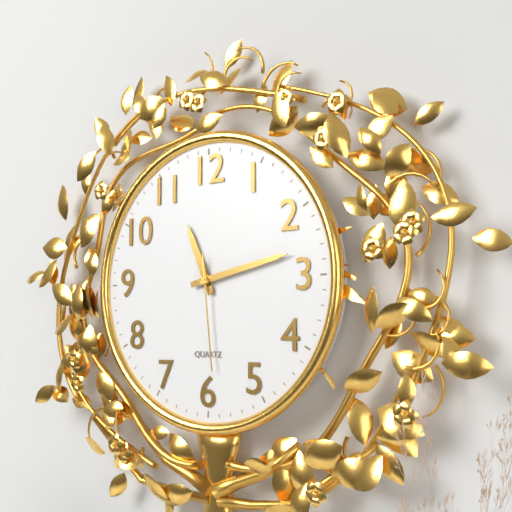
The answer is {"hour": 11, "minute": 13, "second": 29}
